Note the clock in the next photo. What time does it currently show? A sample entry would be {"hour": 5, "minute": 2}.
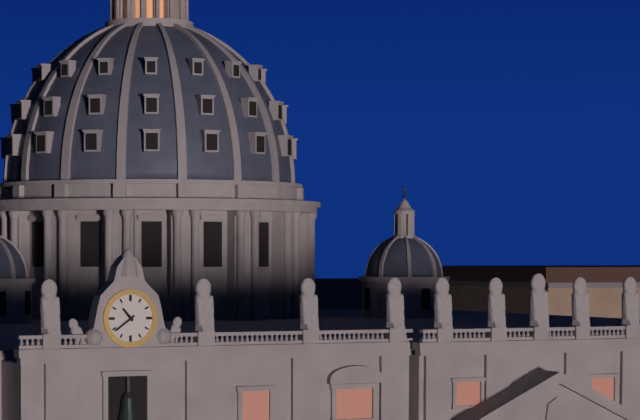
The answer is {"hour": 10, "minute": 39}
